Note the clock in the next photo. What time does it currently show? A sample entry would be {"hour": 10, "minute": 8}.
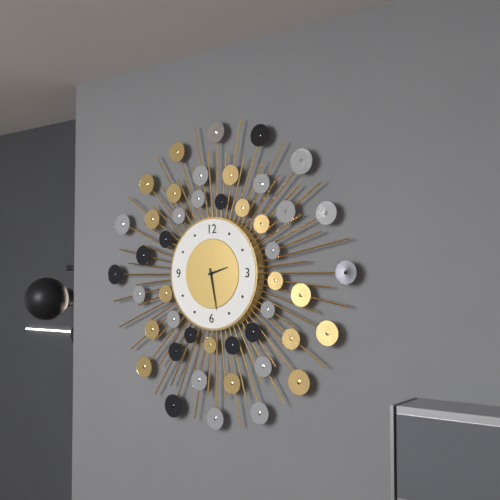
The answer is {"hour": 2, "minute": 28}
